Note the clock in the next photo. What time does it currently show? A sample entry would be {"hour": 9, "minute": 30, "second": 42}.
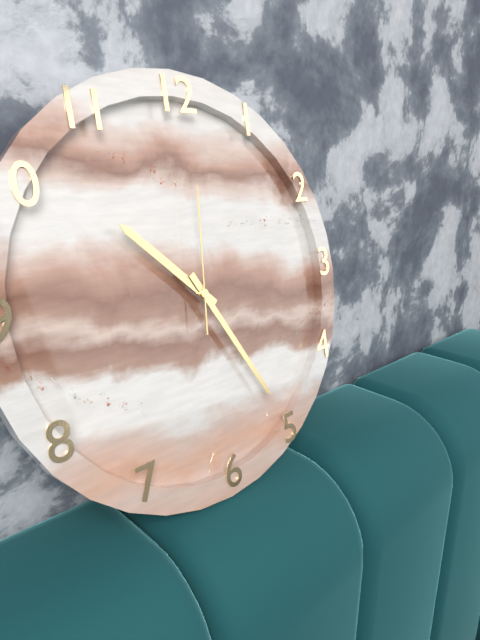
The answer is {"hour": 10, "minute": 25, "second": 1}
